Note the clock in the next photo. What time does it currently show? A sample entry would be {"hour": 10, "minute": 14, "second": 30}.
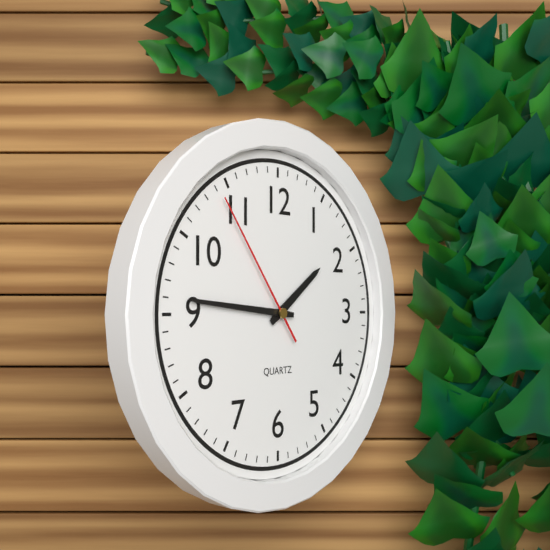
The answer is {"hour": 1, "minute": 46, "second": 54}
